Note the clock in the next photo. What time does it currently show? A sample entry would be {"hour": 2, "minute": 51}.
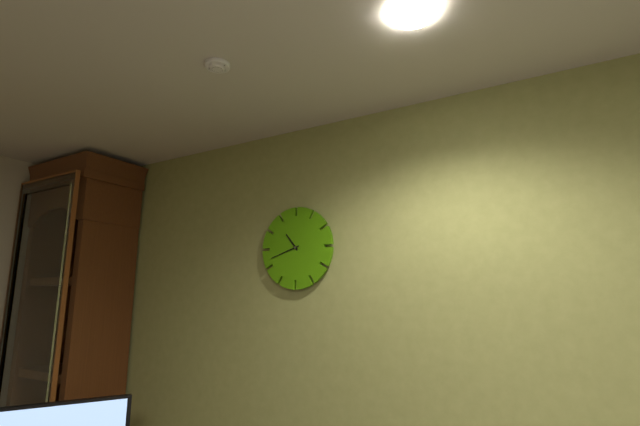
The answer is {"hour": 10, "minute": 42}
